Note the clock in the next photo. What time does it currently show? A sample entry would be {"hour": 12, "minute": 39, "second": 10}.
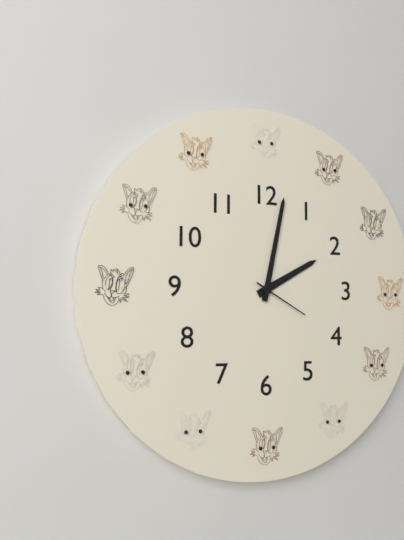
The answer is {"hour": 2, "minute": 2, "second": 20}
